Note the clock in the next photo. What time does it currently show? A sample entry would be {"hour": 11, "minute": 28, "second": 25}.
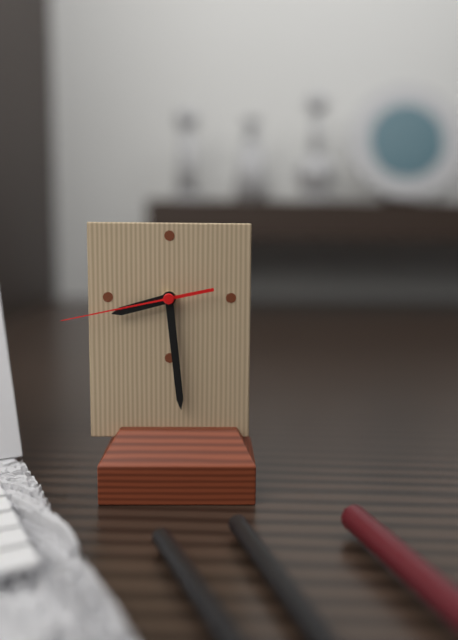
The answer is {"hour": 8, "minute": 29, "second": 43}
